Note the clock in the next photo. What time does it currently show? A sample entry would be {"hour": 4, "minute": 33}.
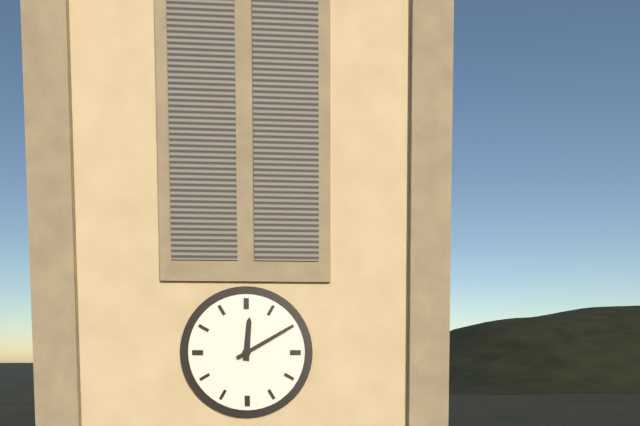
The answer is {"hour": 12, "minute": 10}
